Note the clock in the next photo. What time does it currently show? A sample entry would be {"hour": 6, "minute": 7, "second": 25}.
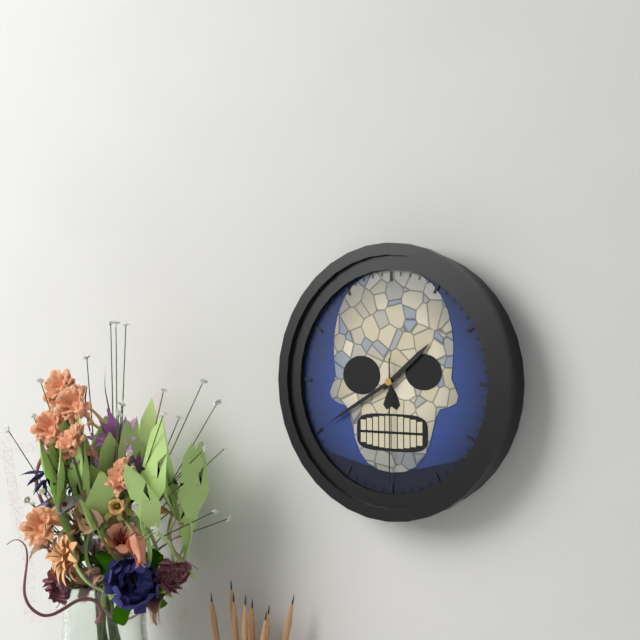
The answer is {"hour": 1, "minute": 40, "second": 30}
